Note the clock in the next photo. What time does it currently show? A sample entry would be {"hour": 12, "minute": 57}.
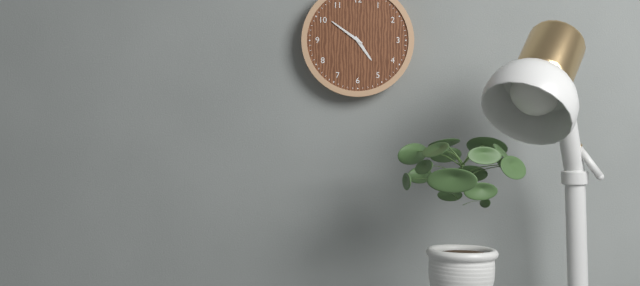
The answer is {"hour": 4, "minute": 51}
